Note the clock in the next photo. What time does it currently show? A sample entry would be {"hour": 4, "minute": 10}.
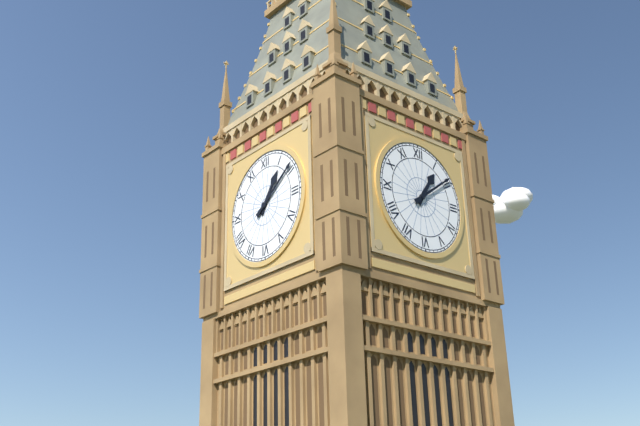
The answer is {"hour": 1, "minute": 9}
